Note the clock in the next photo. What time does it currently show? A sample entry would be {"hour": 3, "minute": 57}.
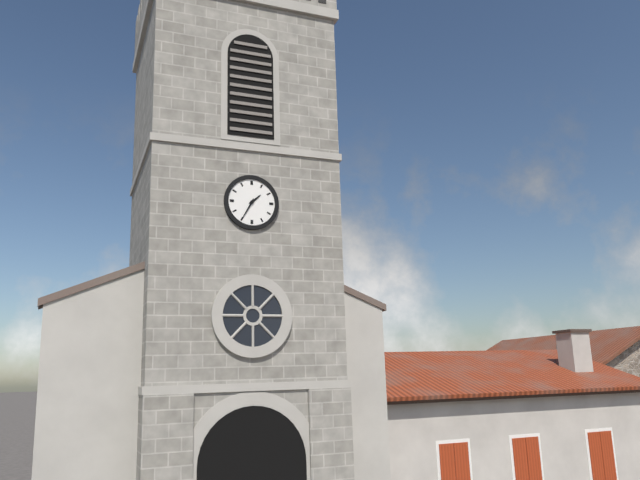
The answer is {"hour": 1, "minute": 35}
